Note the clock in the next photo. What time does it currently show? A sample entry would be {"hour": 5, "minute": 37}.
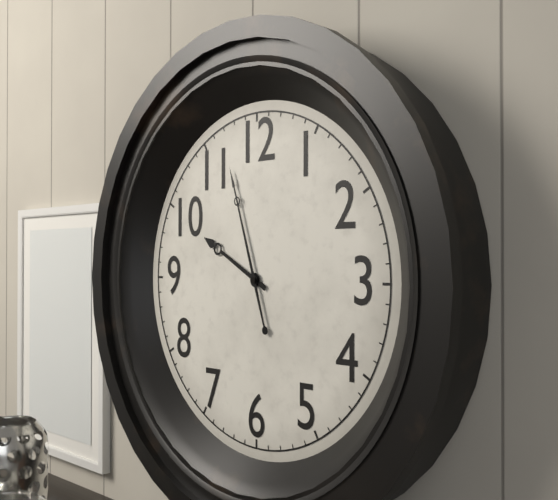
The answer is {"hour": 9, "minute": 57}
